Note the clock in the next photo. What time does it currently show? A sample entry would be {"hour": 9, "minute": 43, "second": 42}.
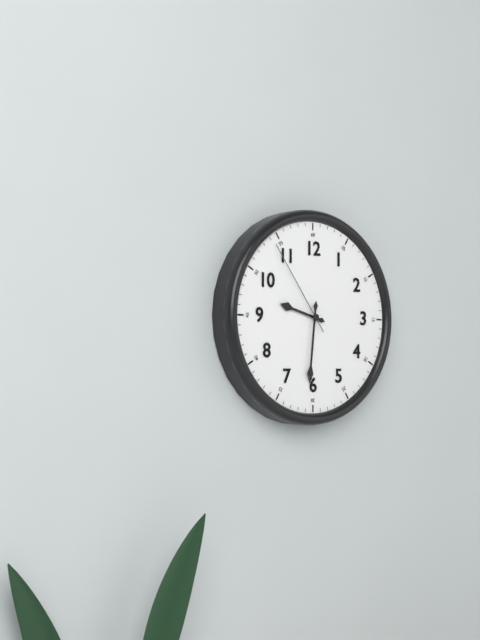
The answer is {"hour": 9, "minute": 31, "second": 54}
